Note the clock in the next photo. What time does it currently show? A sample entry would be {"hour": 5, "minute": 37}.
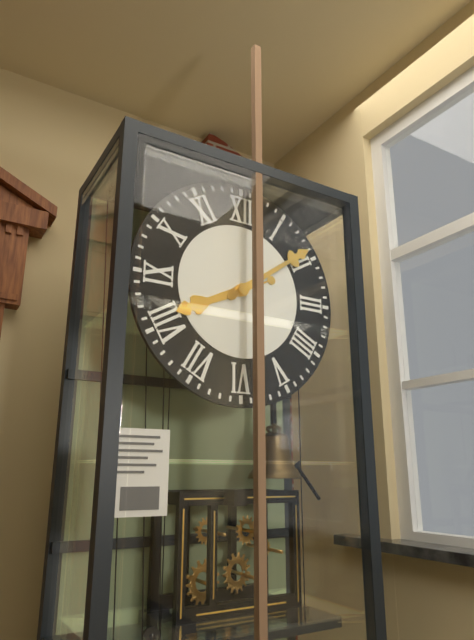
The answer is {"hour": 8, "minute": 9}
